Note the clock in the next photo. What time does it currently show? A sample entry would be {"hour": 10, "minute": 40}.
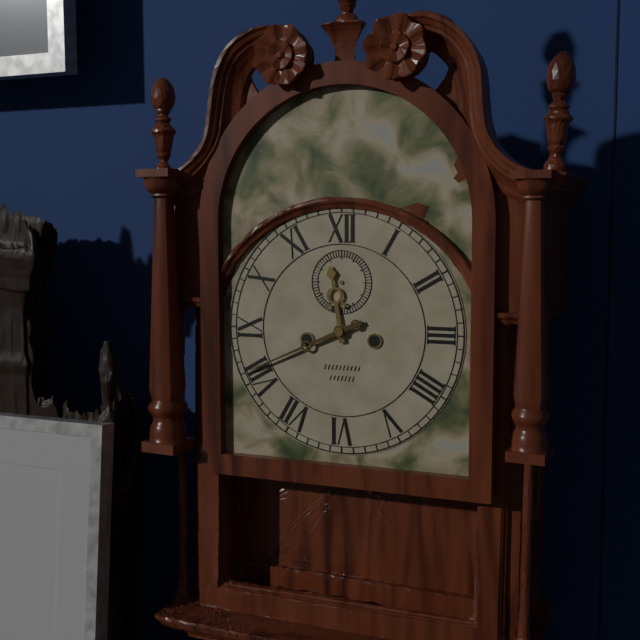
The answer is {"hour": 11, "minute": 41}
